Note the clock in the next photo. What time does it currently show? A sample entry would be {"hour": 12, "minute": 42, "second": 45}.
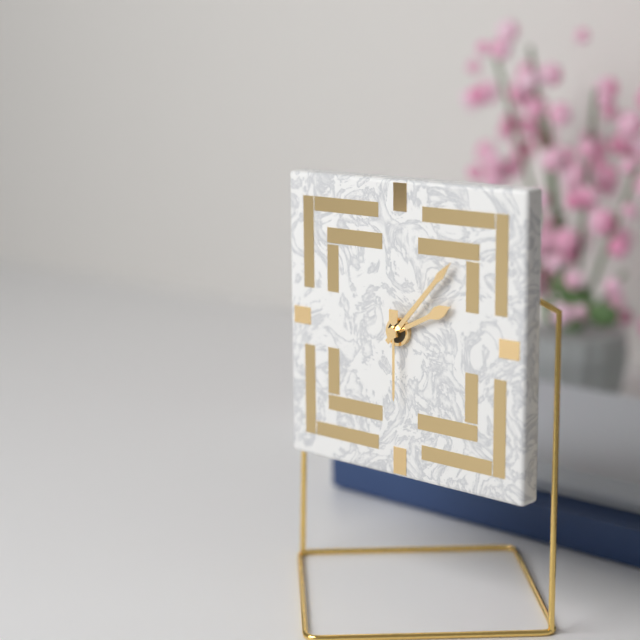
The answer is {"hour": 2, "minute": 7, "second": 30}
